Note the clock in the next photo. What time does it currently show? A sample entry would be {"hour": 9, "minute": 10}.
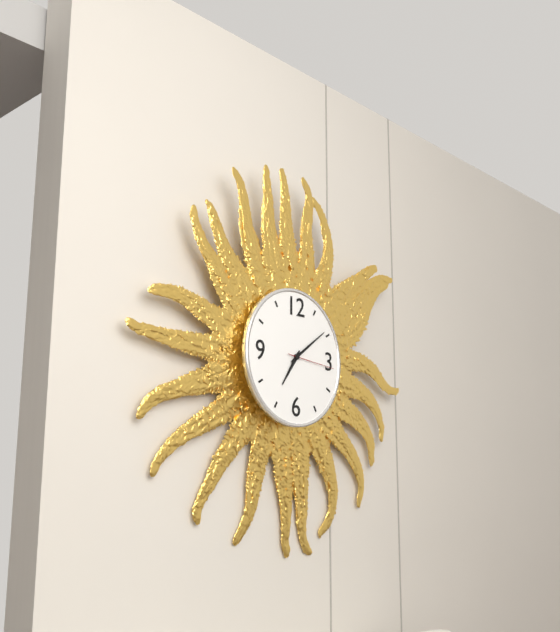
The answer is {"hour": 7, "minute": 9}
